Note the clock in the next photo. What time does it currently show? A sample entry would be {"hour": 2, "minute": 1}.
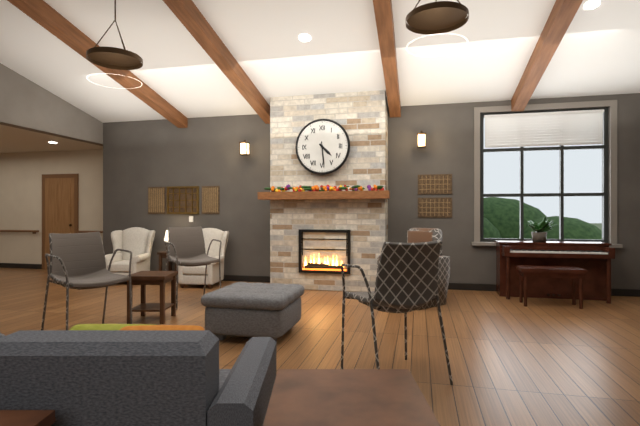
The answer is {"hour": 4, "minute": 29}
